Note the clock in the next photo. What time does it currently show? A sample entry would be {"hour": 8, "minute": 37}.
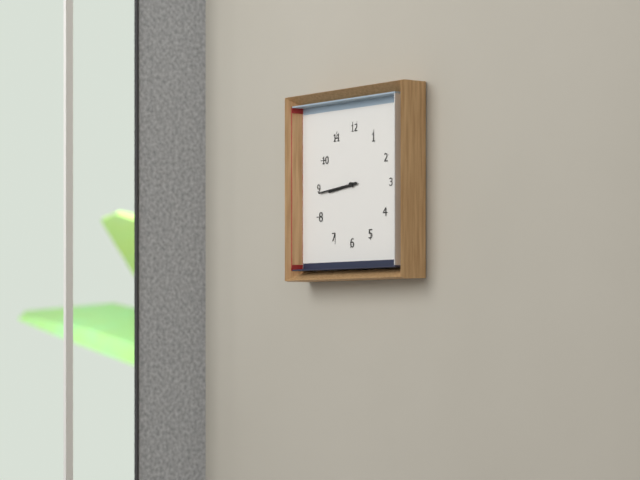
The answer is {"hour": 8, "minute": 44}
